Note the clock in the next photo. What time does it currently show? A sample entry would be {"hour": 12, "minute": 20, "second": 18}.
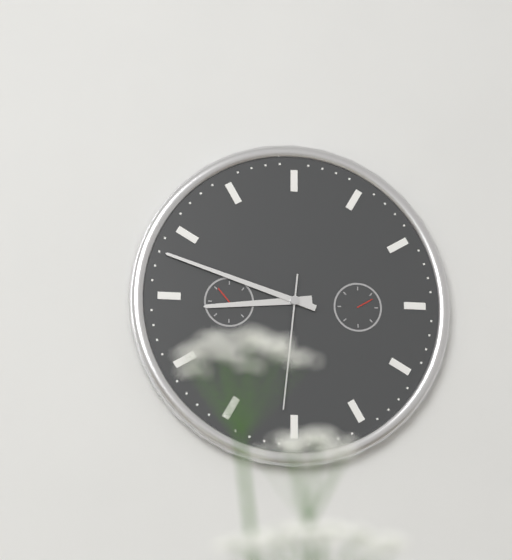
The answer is {"hour": 8, "minute": 48, "second": 31}
